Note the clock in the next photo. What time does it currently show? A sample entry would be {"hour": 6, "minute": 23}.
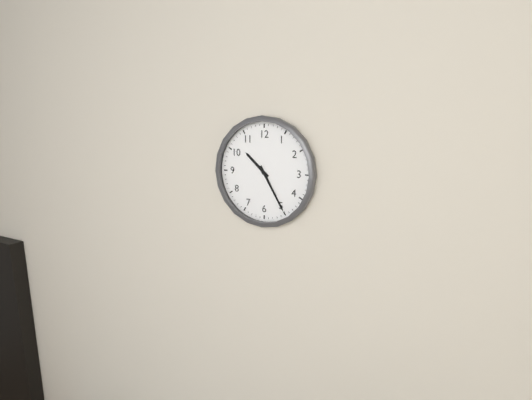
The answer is {"hour": 10, "minute": 25}
